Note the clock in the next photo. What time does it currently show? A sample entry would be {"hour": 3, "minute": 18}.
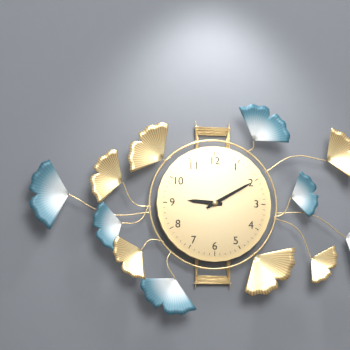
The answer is {"hour": 9, "minute": 10}
